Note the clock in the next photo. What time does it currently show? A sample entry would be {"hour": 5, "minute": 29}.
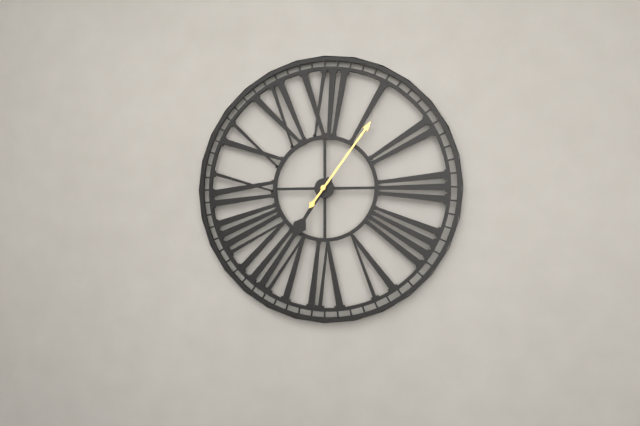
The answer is {"hour": 7, "minute": 6}
